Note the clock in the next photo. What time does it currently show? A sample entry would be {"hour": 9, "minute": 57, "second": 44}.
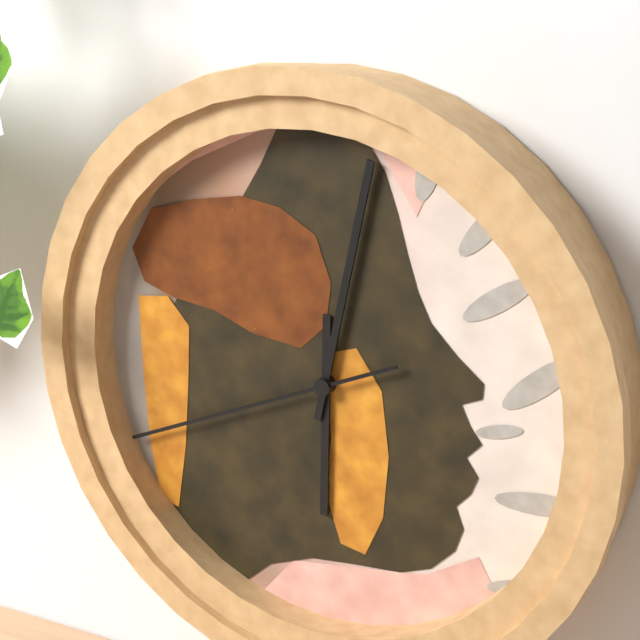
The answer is {"hour": 6, "minute": 2, "second": 41}
